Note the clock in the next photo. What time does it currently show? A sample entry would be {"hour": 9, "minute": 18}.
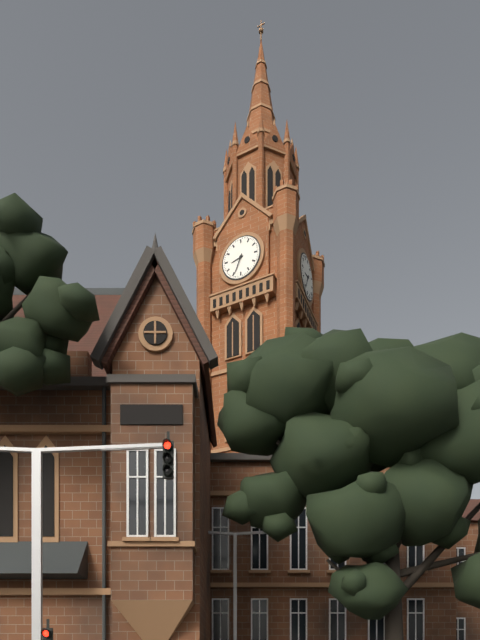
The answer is {"hour": 8, "minute": 34}
